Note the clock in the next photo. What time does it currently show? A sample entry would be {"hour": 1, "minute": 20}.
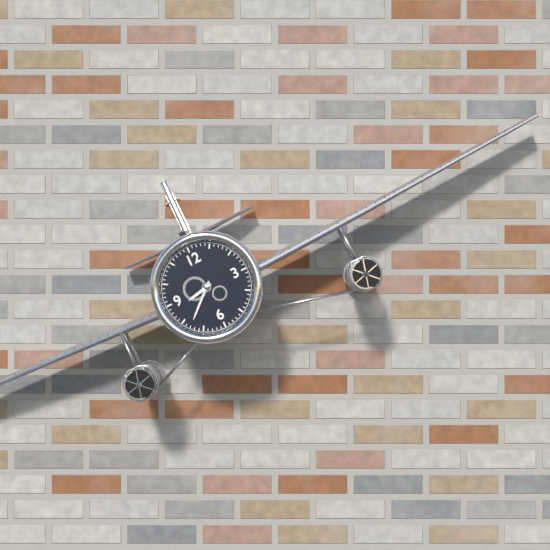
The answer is {"hour": 8, "minute": 38}
